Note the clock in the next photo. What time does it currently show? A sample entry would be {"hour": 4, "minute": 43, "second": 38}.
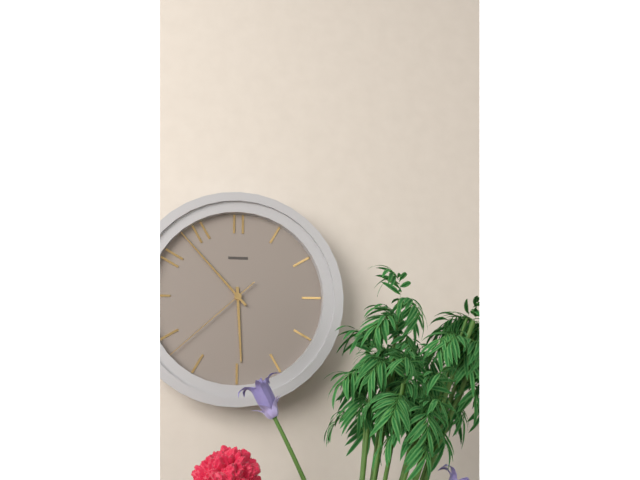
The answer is {"hour": 5, "minute": 53, "second": 38}
